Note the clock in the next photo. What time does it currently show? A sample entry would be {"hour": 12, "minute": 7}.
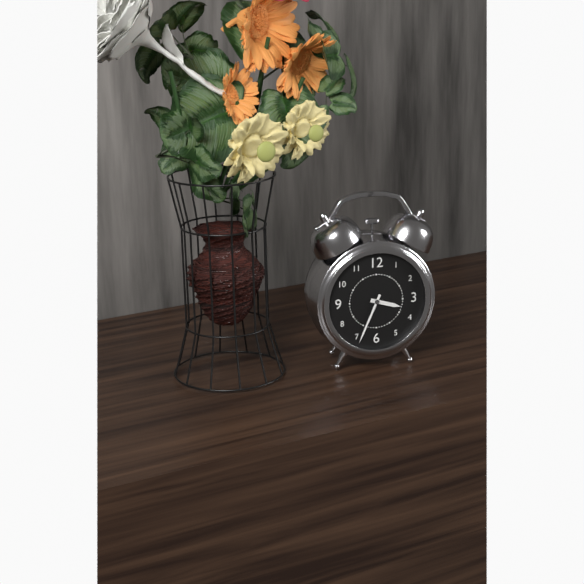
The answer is {"hour": 3, "minute": 34}
